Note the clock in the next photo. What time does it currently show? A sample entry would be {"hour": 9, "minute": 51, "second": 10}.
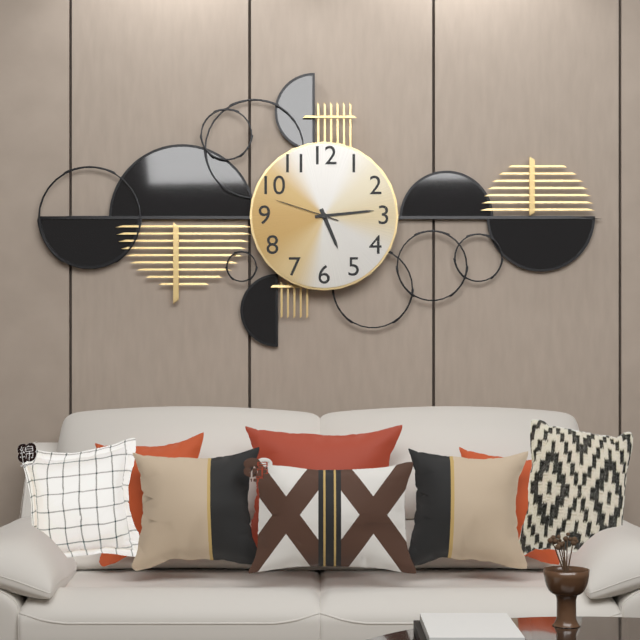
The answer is {"hour": 5, "minute": 14, "second": 48}
